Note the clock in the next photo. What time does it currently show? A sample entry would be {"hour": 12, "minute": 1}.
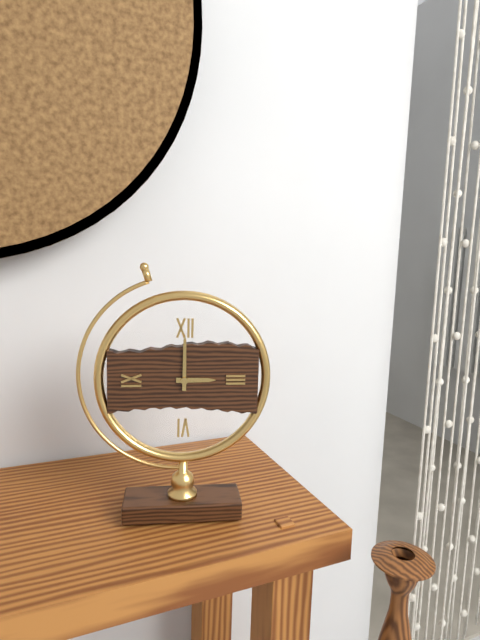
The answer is {"hour": 3, "minute": 0}
